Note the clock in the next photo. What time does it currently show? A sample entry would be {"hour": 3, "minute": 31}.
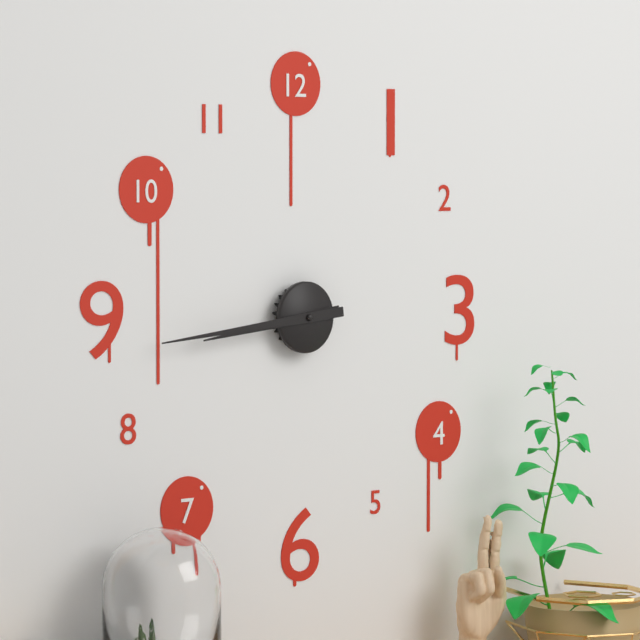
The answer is {"hour": 8, "minute": 44}
